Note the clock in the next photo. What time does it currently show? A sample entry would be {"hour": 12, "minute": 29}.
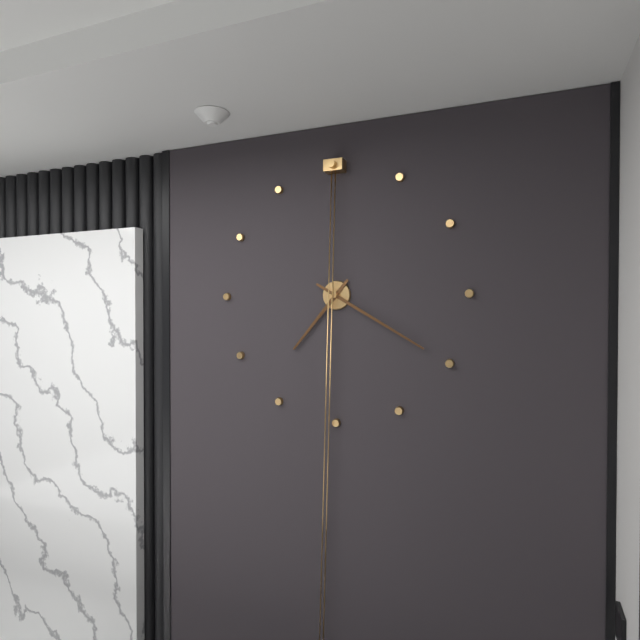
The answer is {"hour": 7, "minute": 20}
